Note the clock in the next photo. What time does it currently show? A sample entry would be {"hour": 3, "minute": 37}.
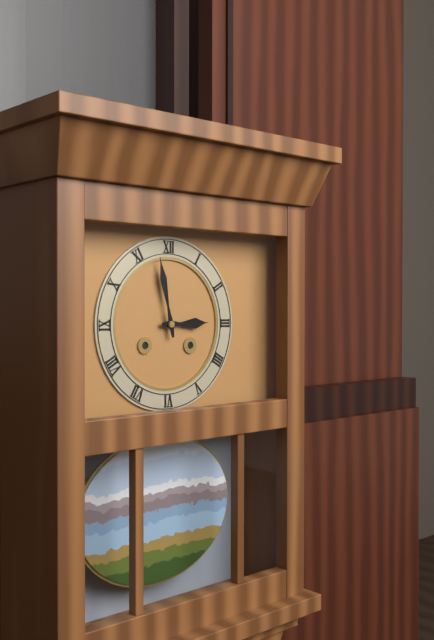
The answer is {"hour": 2, "minute": 58}
